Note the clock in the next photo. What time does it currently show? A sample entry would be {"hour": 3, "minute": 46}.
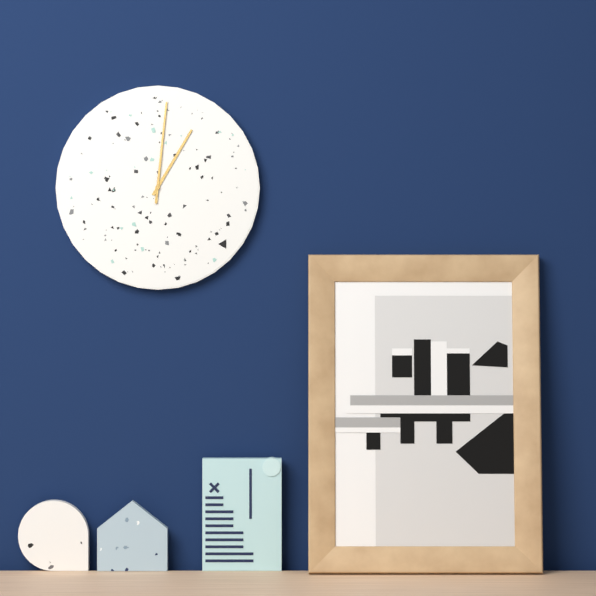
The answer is {"hour": 1, "minute": 1}
